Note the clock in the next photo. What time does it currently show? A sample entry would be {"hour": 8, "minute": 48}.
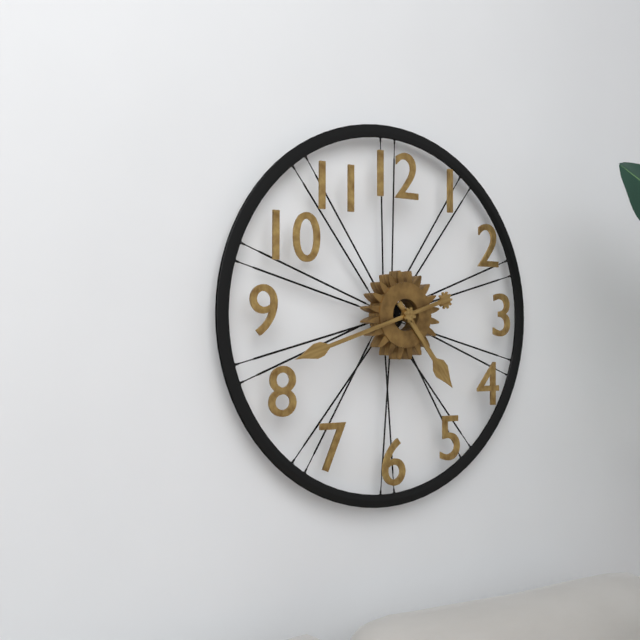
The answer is {"hour": 4, "minute": 42}
